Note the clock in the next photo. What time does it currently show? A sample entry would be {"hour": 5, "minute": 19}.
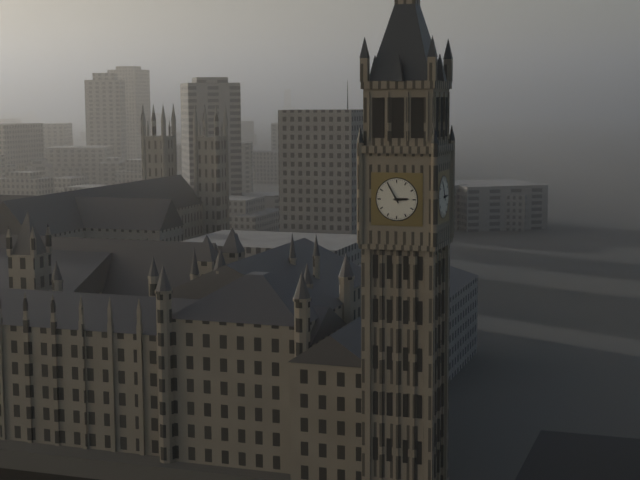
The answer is {"hour": 2, "minute": 55}
